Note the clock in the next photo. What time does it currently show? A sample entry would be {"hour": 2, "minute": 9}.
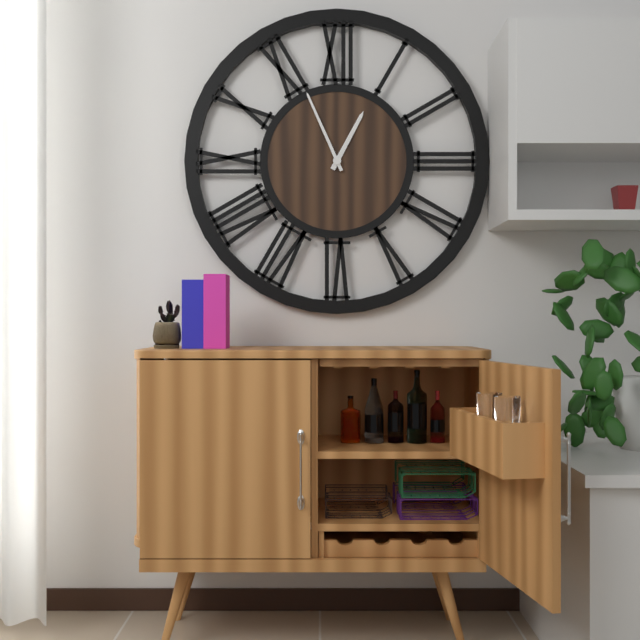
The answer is {"hour": 12, "minute": 56}
